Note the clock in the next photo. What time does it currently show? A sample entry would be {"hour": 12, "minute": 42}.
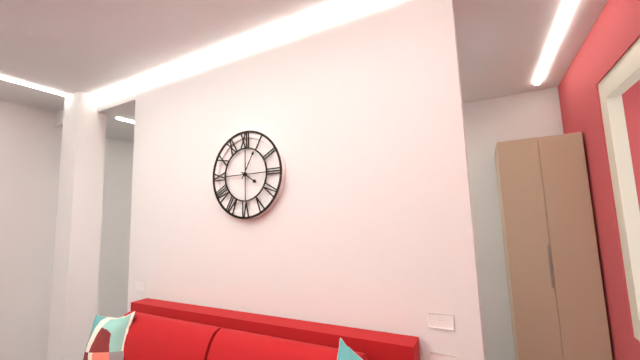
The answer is {"hour": 4, "minute": 5}
